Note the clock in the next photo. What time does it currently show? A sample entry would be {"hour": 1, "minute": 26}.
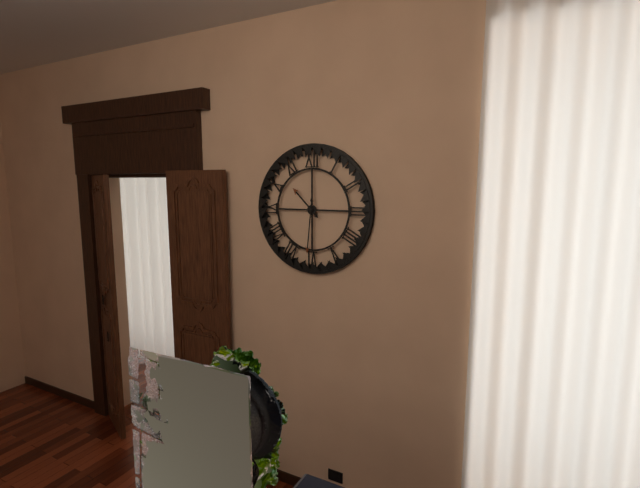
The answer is {"hour": 10, "minute": 31}
